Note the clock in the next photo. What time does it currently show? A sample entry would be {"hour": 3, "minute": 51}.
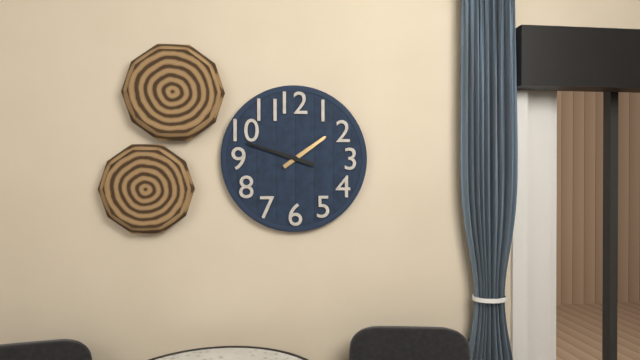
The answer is {"hour": 1, "minute": 48}
